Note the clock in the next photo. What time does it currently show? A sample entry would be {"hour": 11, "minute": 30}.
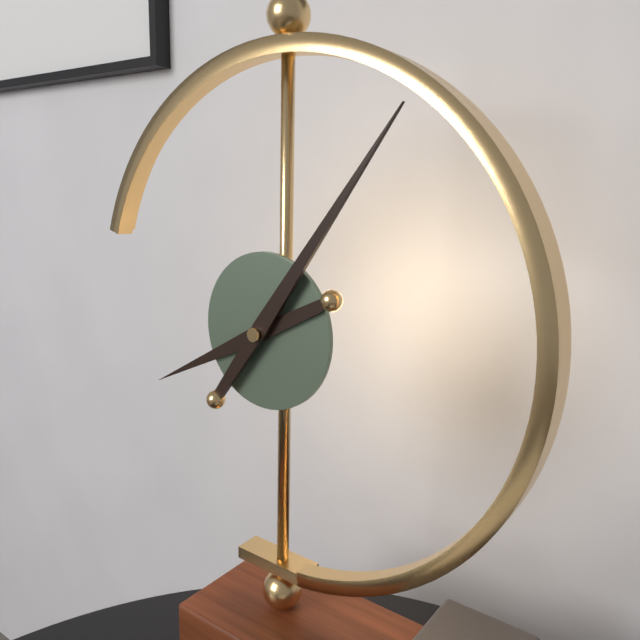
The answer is {"hour": 8, "minute": 6}
